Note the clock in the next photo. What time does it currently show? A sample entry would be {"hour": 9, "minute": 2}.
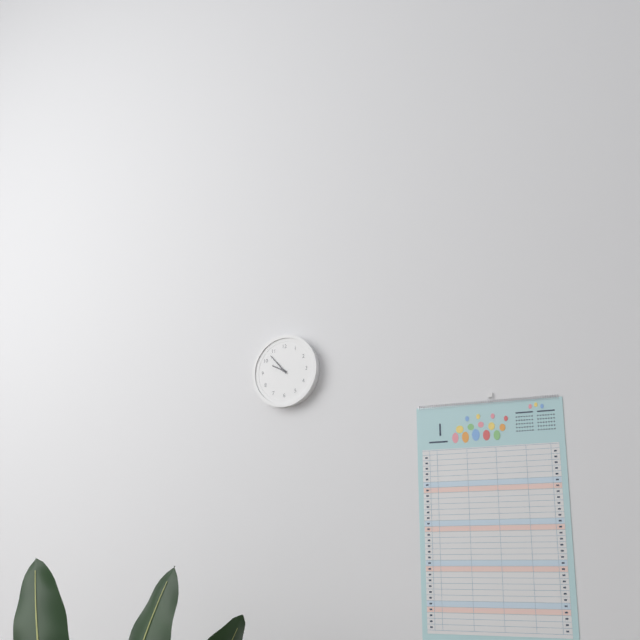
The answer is {"hour": 9, "minute": 53}
